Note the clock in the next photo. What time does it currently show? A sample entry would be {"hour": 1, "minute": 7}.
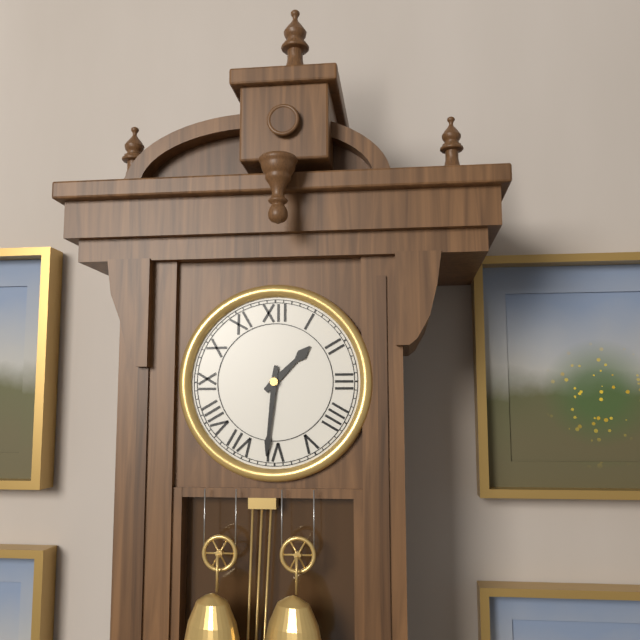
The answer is {"hour": 1, "minute": 31}
